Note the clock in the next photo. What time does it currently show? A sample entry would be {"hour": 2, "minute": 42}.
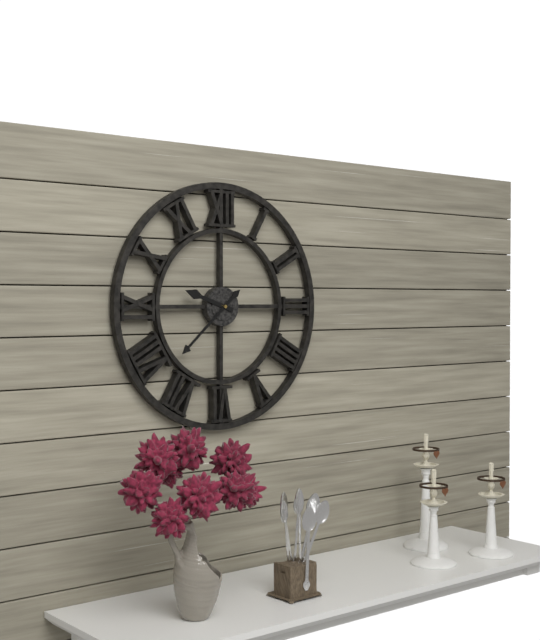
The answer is {"hour": 9, "minute": 38}
